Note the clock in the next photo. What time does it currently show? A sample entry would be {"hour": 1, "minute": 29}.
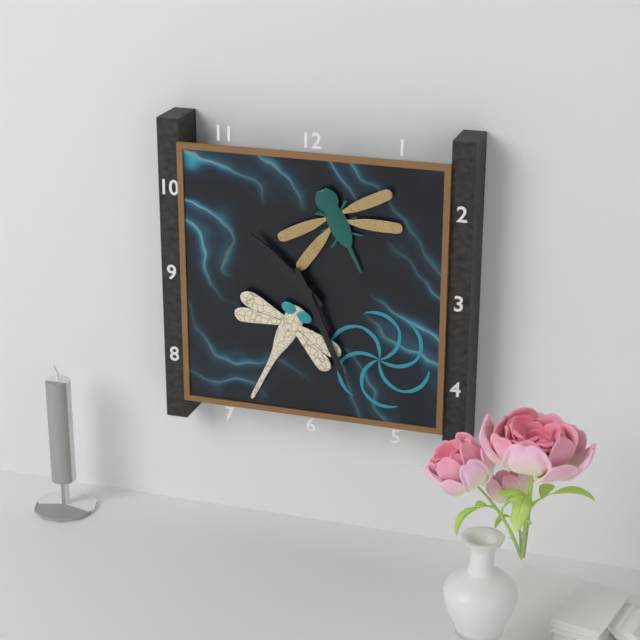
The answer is {"hour": 10, "minute": 26}
